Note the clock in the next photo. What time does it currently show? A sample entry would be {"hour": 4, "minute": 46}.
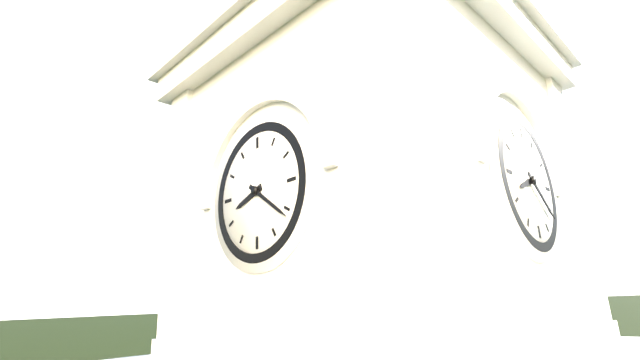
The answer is {"hour": 8, "minute": 21}
